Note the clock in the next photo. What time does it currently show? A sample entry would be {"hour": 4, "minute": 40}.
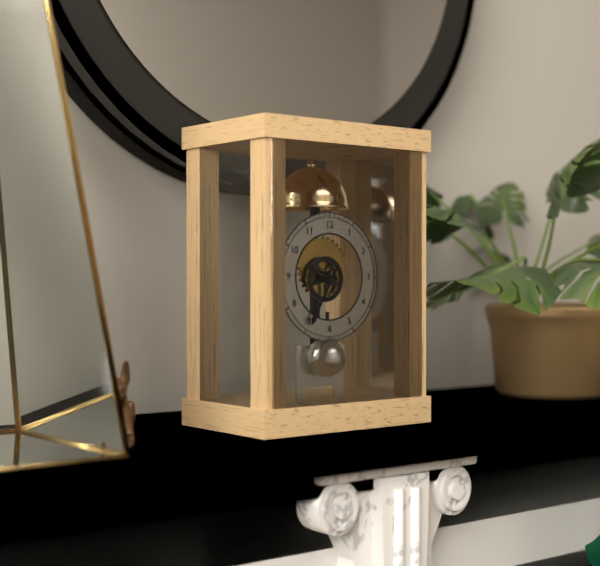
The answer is {"hour": 9, "minute": 35}
